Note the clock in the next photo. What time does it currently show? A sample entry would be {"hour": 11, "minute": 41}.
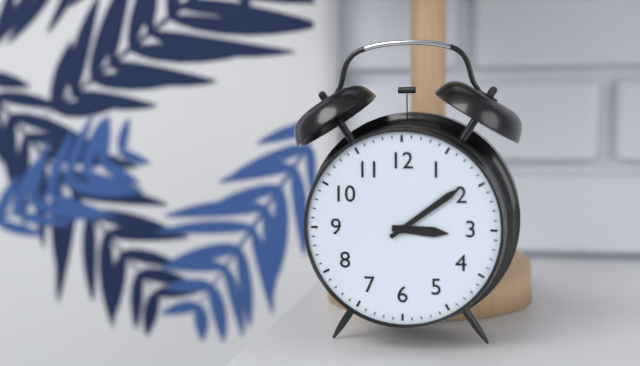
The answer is {"hour": 3, "minute": 9}
